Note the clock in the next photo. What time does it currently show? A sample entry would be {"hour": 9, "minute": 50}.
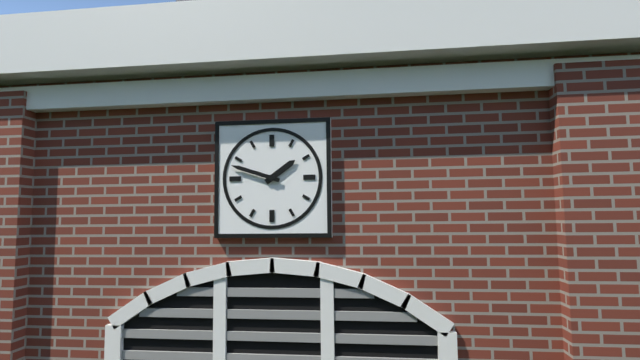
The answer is {"hour": 1, "minute": 48}
